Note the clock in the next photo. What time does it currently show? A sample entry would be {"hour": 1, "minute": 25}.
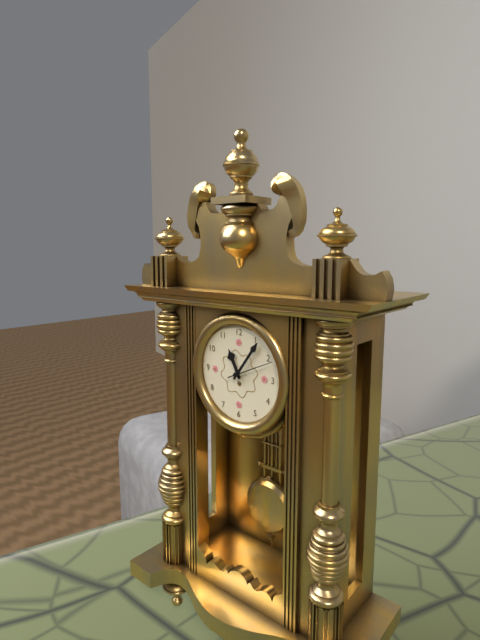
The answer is {"hour": 11, "minute": 6}
